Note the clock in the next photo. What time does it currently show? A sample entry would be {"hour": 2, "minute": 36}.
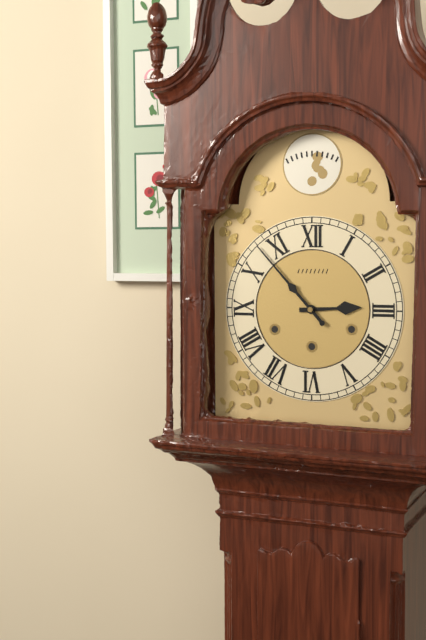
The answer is {"hour": 2, "minute": 53}
